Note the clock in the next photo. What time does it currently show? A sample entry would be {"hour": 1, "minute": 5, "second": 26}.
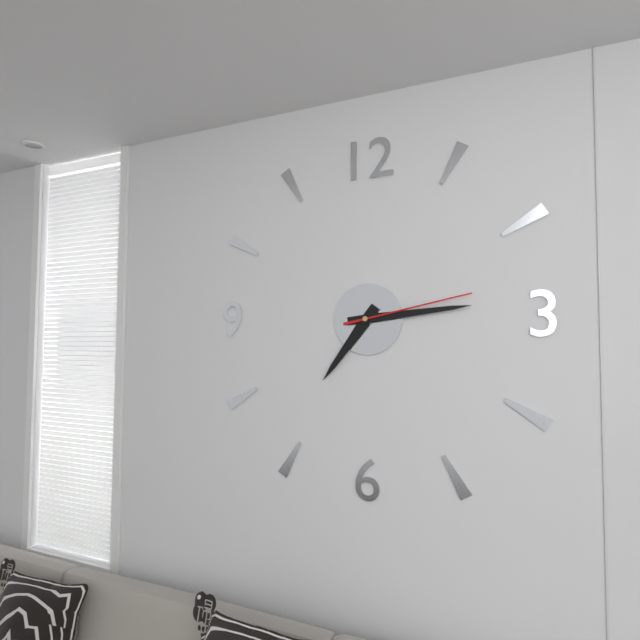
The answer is {"hour": 7, "minute": 14, "second": 13}
